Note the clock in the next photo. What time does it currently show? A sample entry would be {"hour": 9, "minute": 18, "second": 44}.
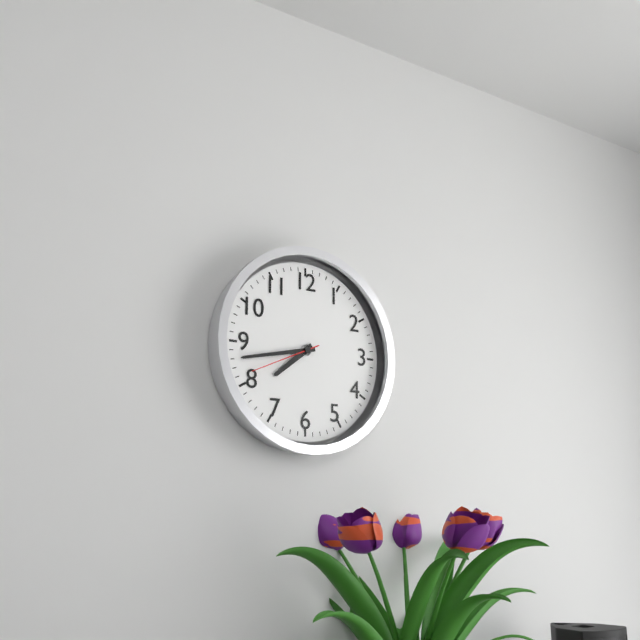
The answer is {"hour": 7, "minute": 43, "second": 41}
